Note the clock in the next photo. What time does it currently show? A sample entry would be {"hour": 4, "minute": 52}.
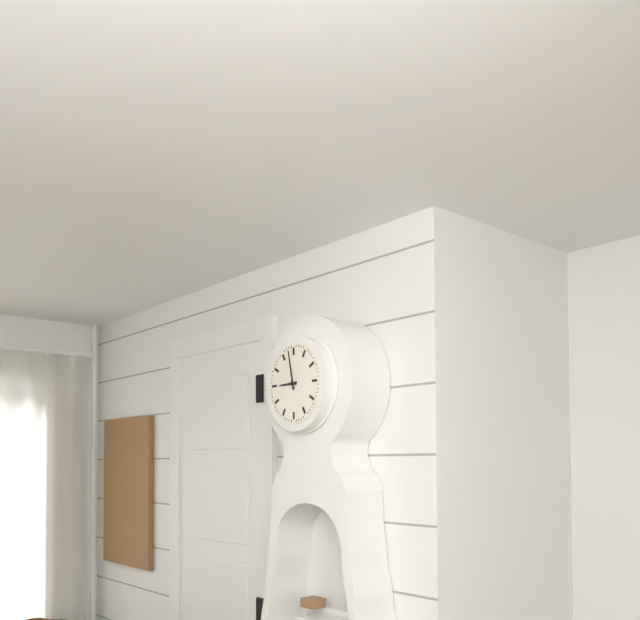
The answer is {"hour": 8, "minute": 58}
